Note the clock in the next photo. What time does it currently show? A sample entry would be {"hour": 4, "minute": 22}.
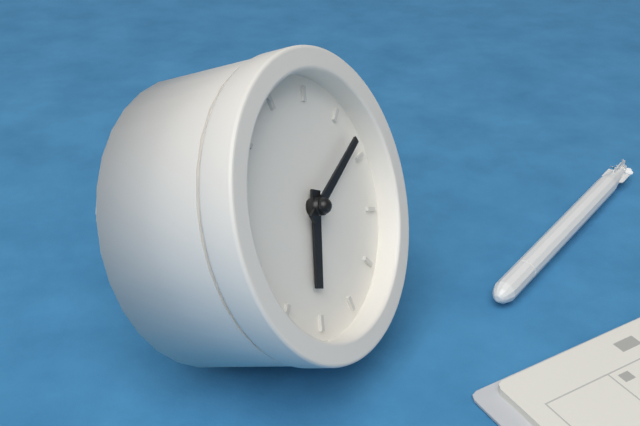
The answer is {"hour": 6, "minute": 8}
